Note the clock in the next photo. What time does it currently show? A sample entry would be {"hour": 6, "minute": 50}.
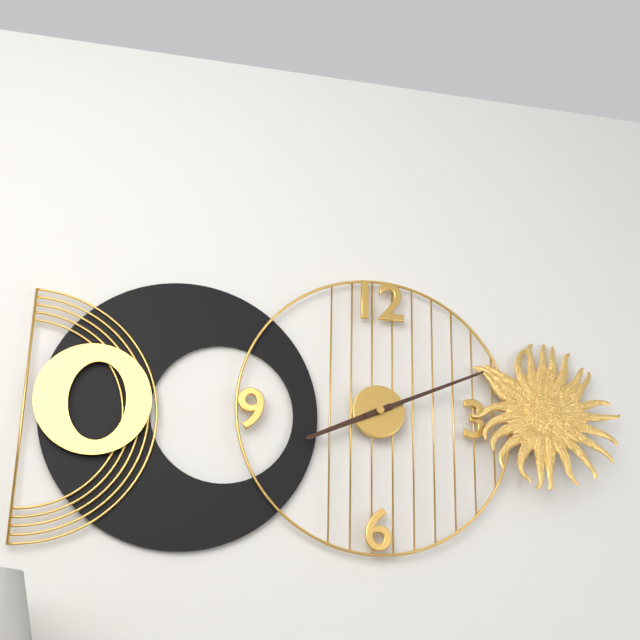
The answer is {"hour": 8, "minute": 11}
